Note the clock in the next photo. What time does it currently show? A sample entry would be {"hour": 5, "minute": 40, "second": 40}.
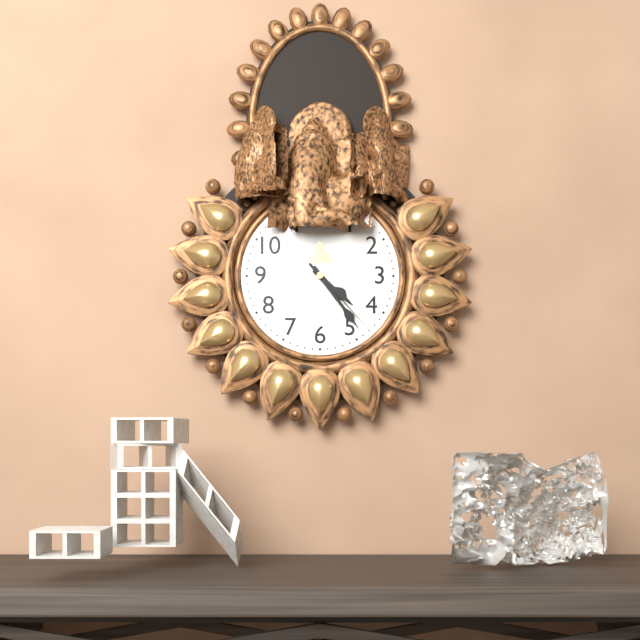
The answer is {"hour": 4, "minute": 24, "second": 23}
